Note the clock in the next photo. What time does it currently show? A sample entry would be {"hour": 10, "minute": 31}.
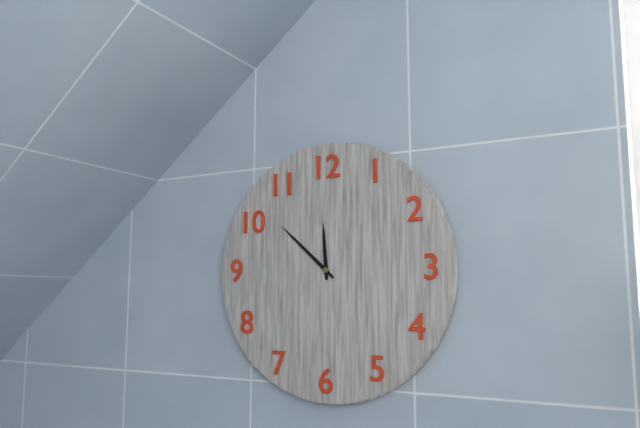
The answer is {"hour": 11, "minute": 52}
